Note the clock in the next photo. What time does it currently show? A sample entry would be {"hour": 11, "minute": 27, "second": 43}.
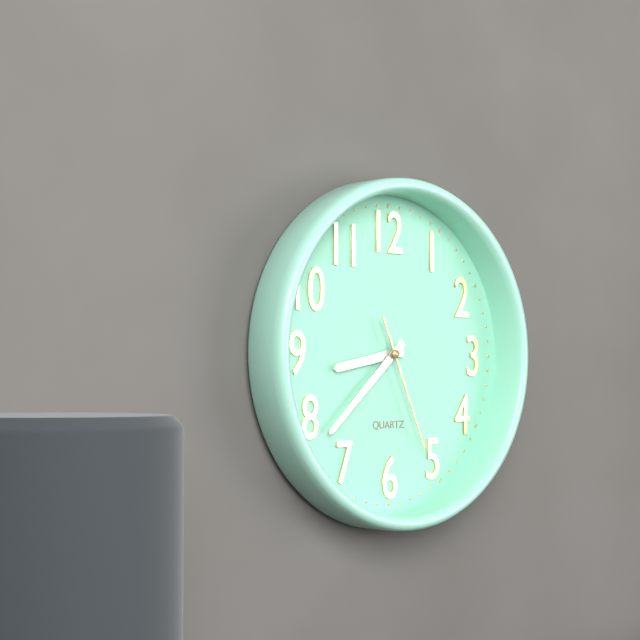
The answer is {"hour": 8, "minute": 38, "second": 26}
